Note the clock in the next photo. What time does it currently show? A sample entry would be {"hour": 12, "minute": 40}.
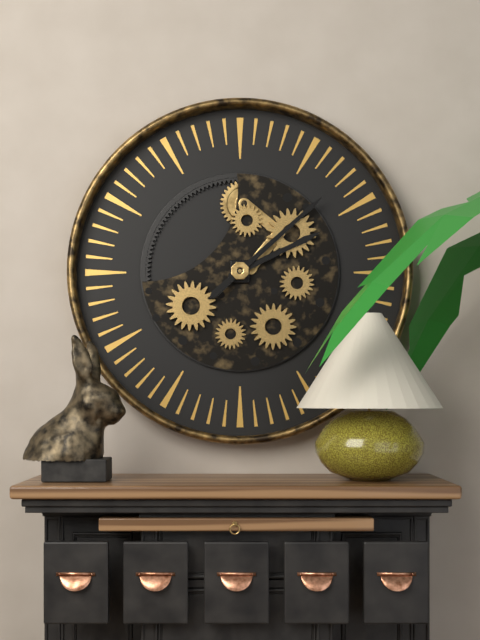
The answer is {"hour": 2, "minute": 8}
